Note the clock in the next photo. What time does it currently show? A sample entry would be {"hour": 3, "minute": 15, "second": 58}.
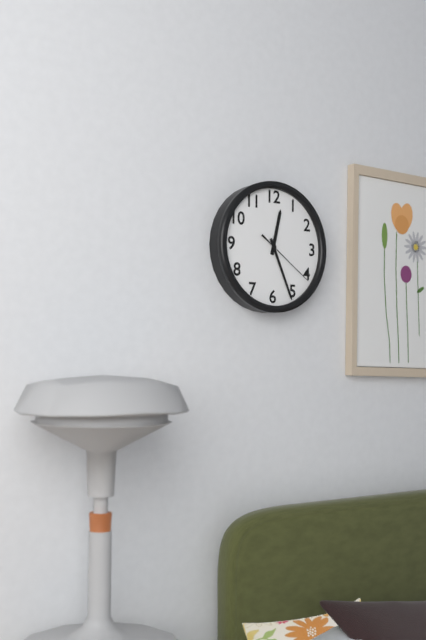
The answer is {"hour": 12, "minute": 26, "second": 21}
